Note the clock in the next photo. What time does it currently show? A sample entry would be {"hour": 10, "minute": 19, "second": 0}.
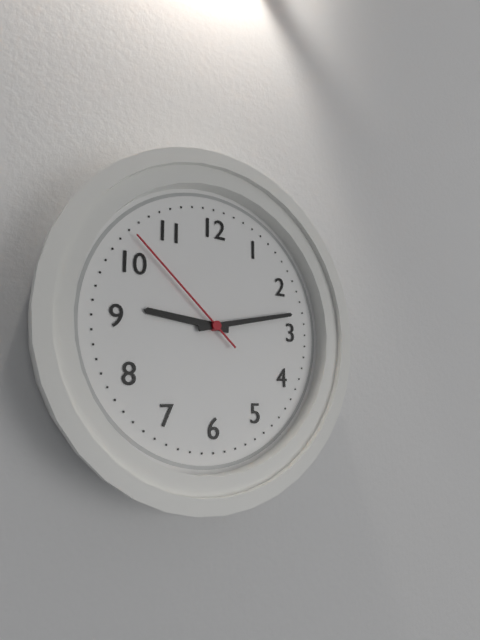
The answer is {"hour": 9, "minute": 13, "second": 52}
